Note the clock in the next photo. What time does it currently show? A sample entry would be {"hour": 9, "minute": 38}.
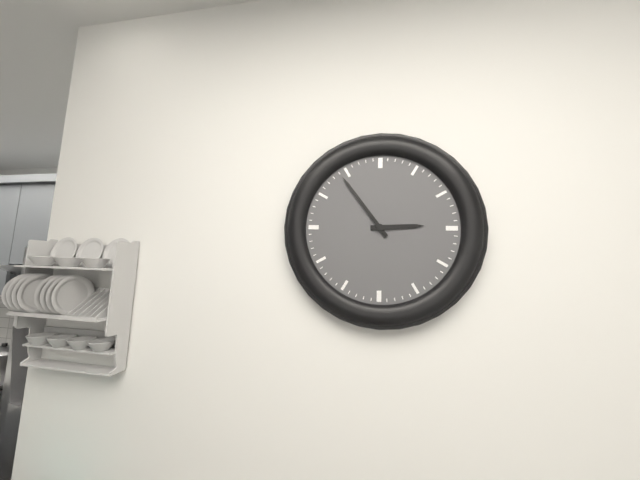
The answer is {"hour": 2, "minute": 54}
